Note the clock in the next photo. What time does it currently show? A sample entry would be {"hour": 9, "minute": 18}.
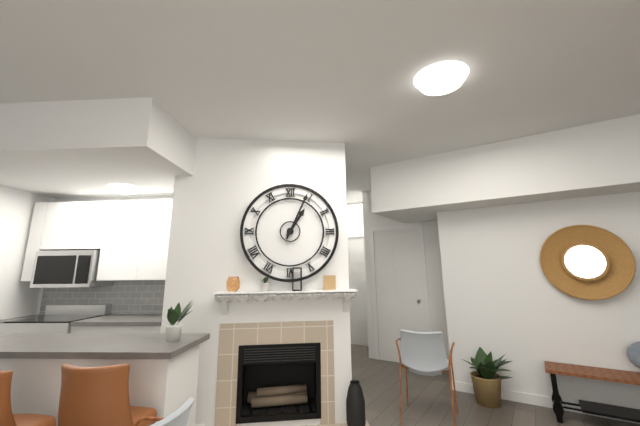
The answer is {"hour": 1, "minute": 4}
